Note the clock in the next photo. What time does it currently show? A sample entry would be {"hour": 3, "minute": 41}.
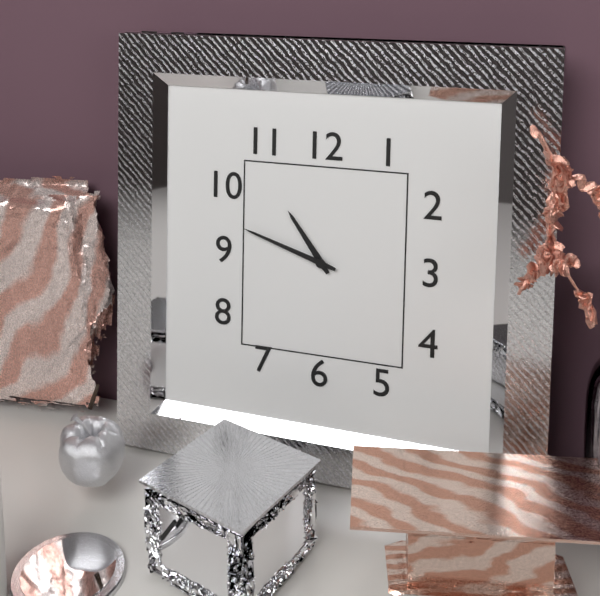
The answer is {"hour": 10, "minute": 48}
